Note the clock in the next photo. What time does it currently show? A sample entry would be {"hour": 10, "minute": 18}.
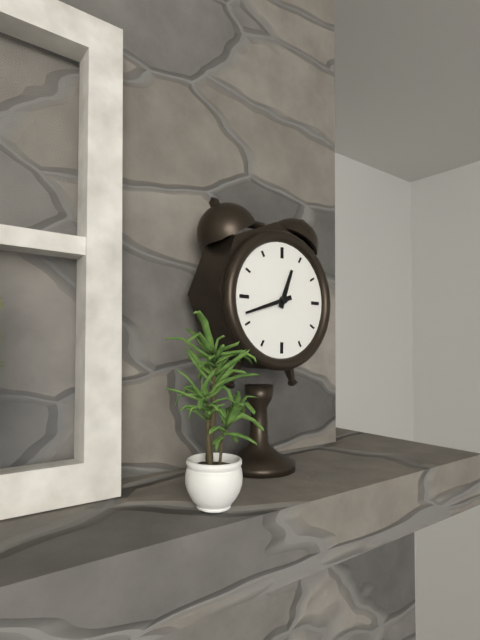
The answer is {"hour": 12, "minute": 42}
